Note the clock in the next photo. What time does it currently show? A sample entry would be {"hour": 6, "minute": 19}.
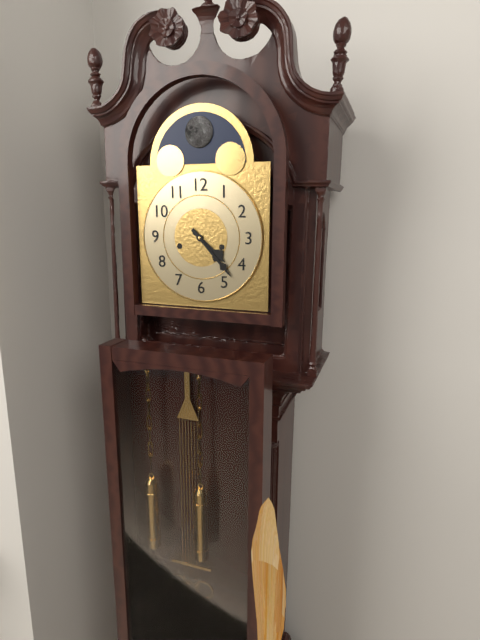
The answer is {"hour": 4, "minute": 23}
